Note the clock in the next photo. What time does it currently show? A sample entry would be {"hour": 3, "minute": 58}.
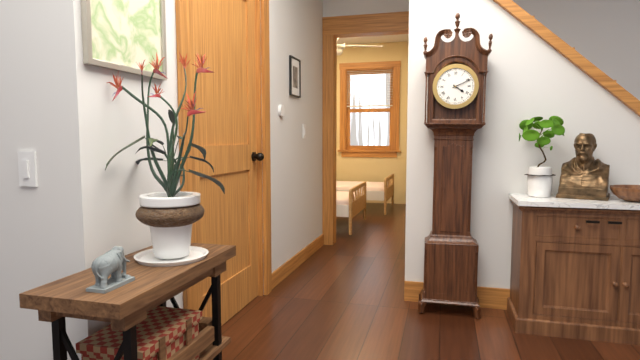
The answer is {"hour": 4, "minute": 11}
